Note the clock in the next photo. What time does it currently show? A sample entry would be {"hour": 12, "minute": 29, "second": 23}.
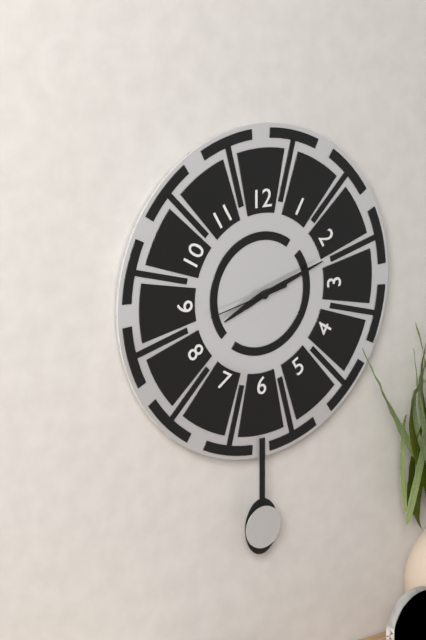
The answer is {"hour": 8, "minute": 12, "second": 43}
